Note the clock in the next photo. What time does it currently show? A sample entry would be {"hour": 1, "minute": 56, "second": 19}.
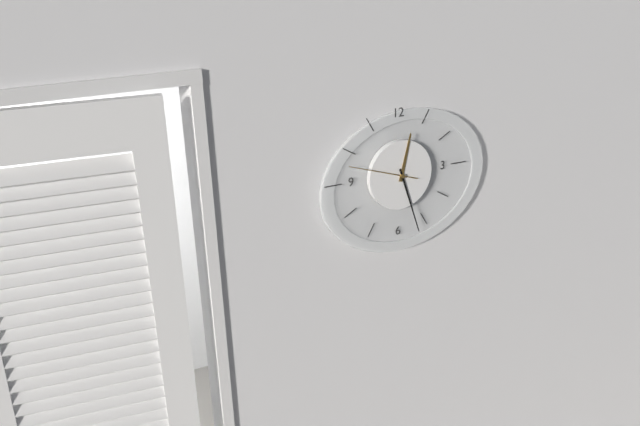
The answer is {"hour": 12, "minute": 27, "second": 48}
